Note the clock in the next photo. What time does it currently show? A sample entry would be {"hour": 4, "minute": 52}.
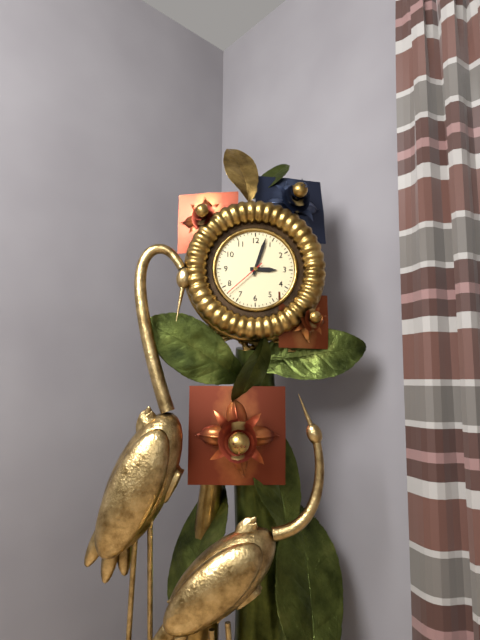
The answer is {"hour": 3, "minute": 3}
